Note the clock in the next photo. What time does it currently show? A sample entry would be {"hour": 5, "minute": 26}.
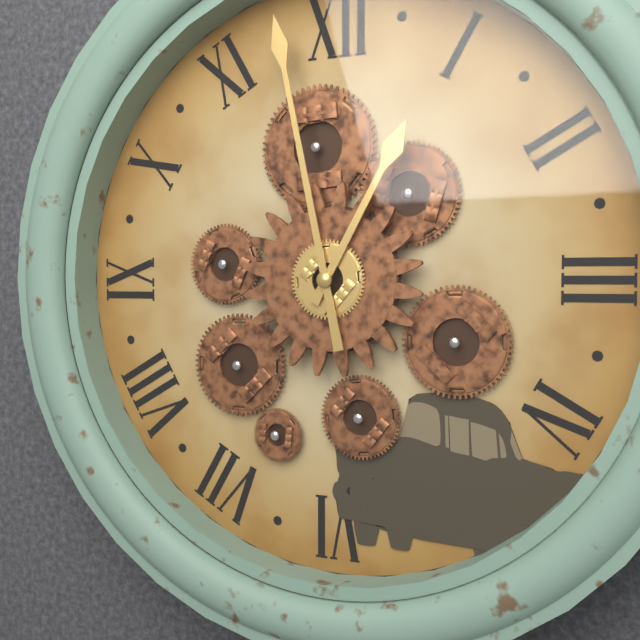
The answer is {"hour": 12, "minute": 58}
